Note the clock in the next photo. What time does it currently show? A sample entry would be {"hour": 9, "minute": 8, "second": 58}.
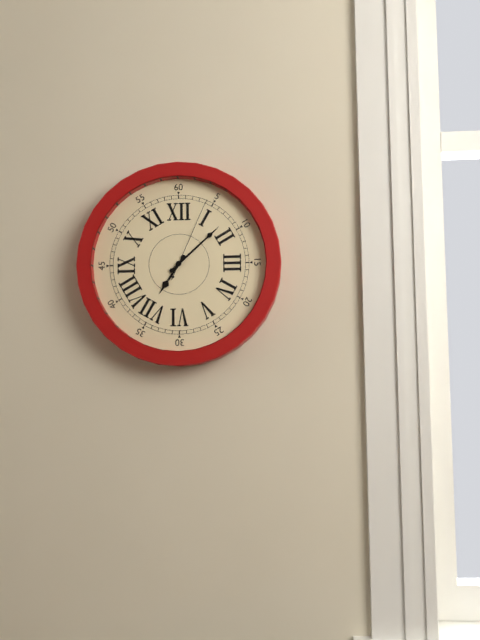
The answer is {"hour": 7, "minute": 8, "second": 4}
